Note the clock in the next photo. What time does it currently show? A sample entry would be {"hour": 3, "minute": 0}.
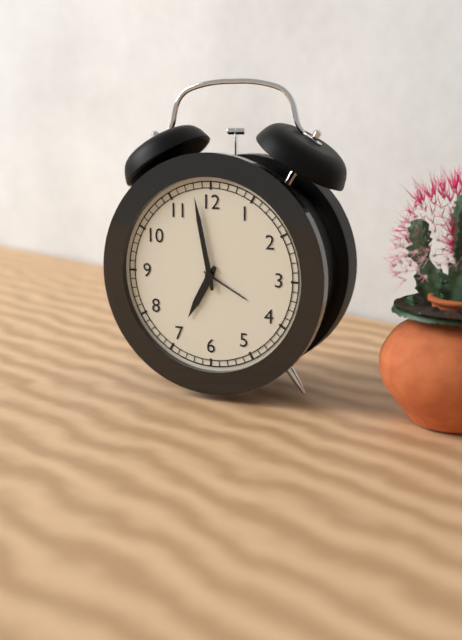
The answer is {"hour": 6, "minute": 58}
